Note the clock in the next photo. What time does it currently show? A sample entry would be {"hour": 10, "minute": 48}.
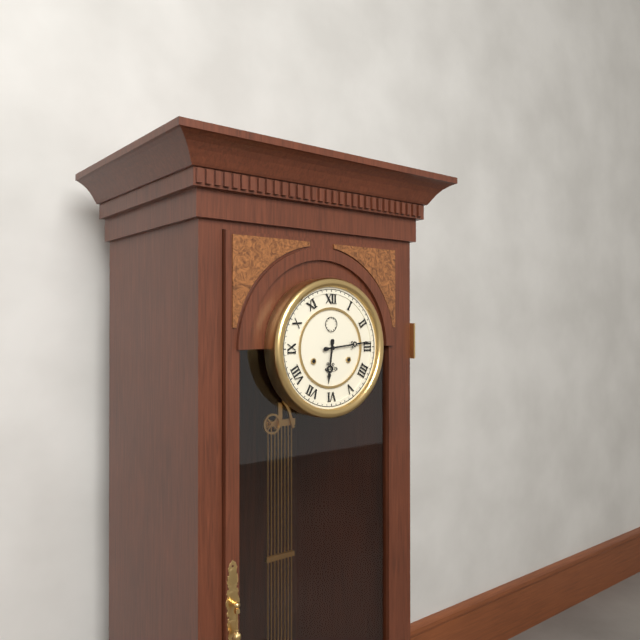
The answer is {"hour": 6, "minute": 14}
